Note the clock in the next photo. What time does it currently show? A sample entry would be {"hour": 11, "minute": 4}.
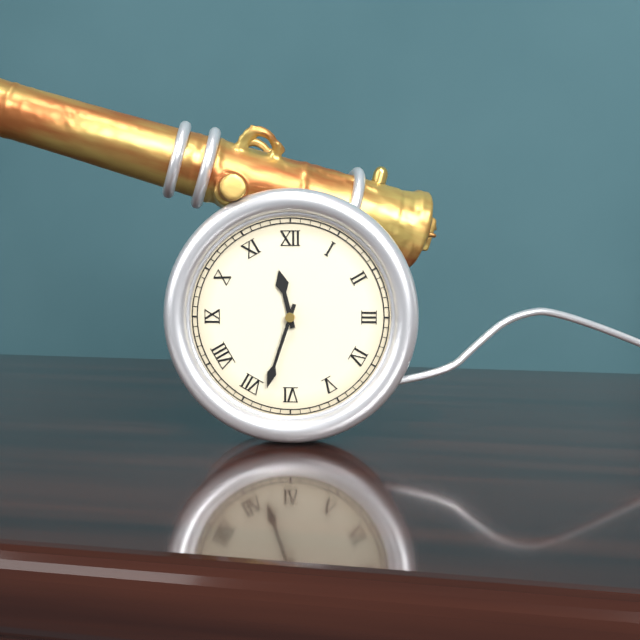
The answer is {"hour": 11, "minute": 33}
